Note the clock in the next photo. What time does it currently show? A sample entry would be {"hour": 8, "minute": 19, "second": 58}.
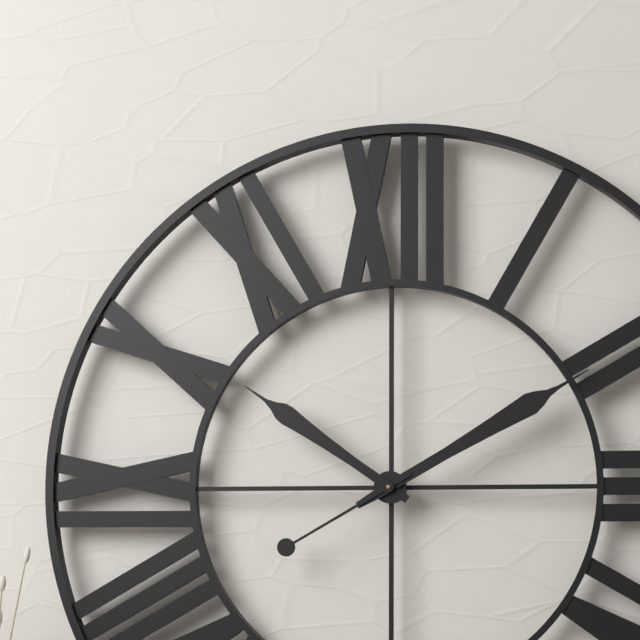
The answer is {"hour": 10, "minute": 10, "second": 40}
